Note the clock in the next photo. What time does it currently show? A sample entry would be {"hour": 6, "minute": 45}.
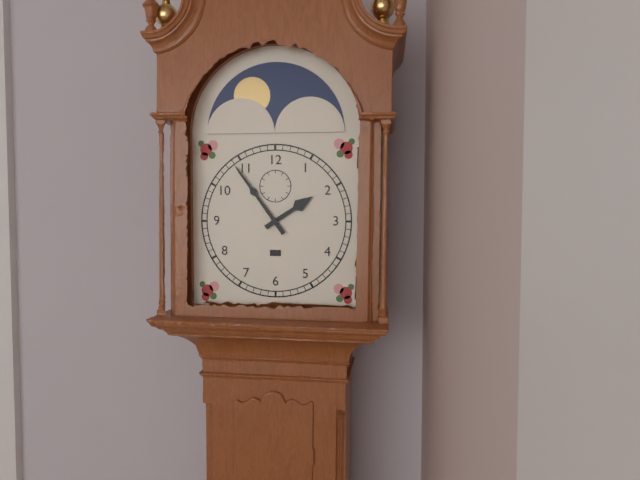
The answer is {"hour": 1, "minute": 54}
